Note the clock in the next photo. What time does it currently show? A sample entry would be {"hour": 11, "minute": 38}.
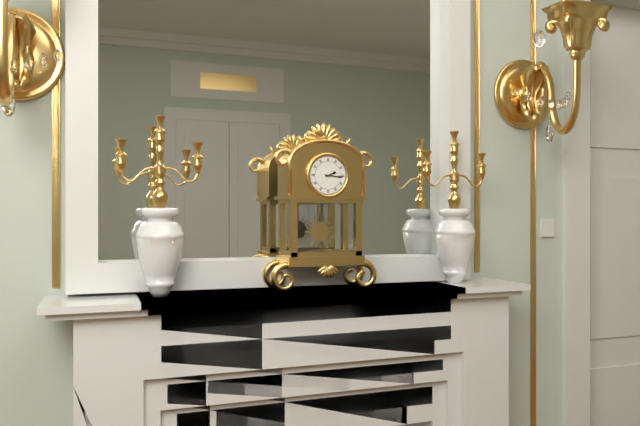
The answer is {"hour": 2, "minute": 16}
